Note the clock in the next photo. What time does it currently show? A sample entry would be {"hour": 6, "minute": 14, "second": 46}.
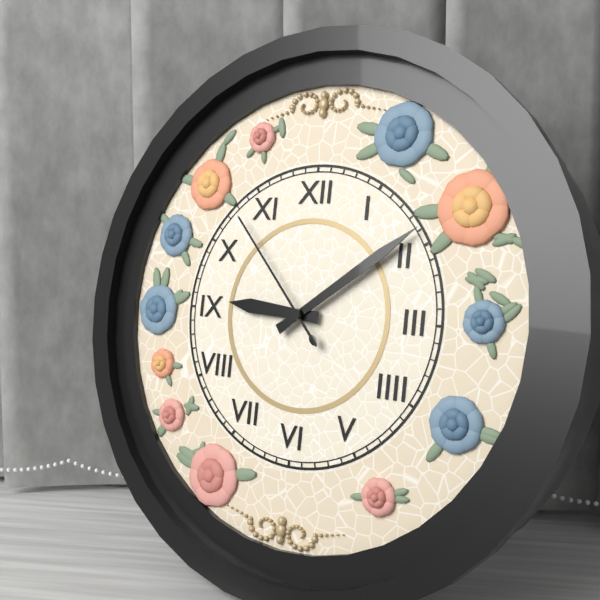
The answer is {"hour": 9, "minute": 9, "second": 53}
